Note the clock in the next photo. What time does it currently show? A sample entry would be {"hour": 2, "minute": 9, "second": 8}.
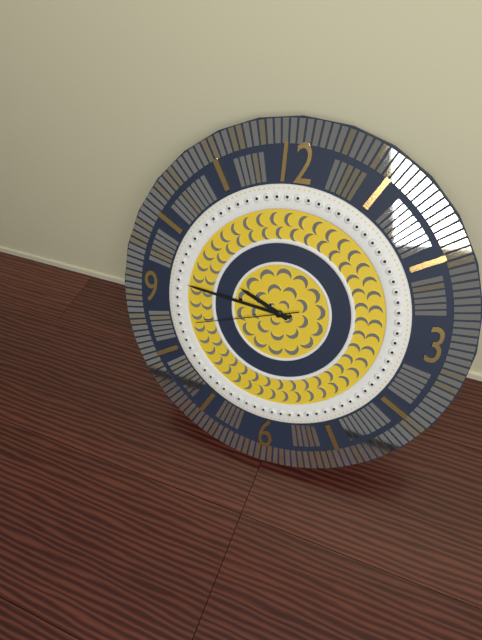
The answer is {"hour": 9, "minute": 46, "second": 42}
